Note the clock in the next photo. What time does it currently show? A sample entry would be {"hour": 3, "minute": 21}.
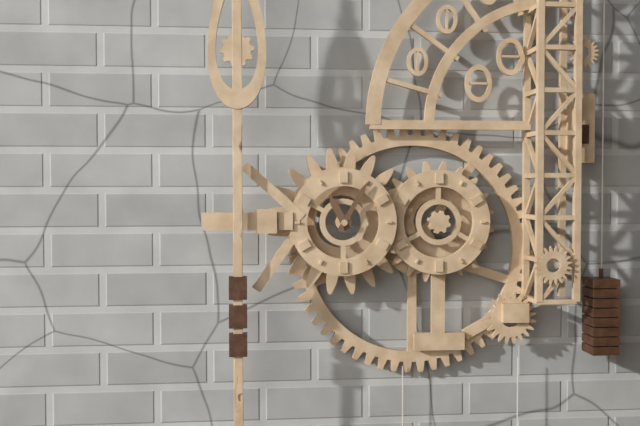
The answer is {"hour": 11, "minute": 5}
